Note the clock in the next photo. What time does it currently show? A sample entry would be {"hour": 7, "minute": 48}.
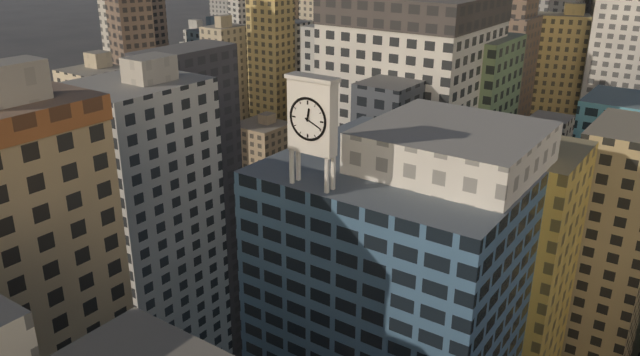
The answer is {"hour": 12, "minute": 19}
